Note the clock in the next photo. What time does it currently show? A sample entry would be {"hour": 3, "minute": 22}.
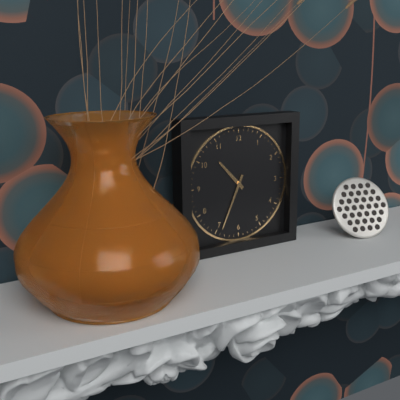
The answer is {"hour": 10, "minute": 34}
